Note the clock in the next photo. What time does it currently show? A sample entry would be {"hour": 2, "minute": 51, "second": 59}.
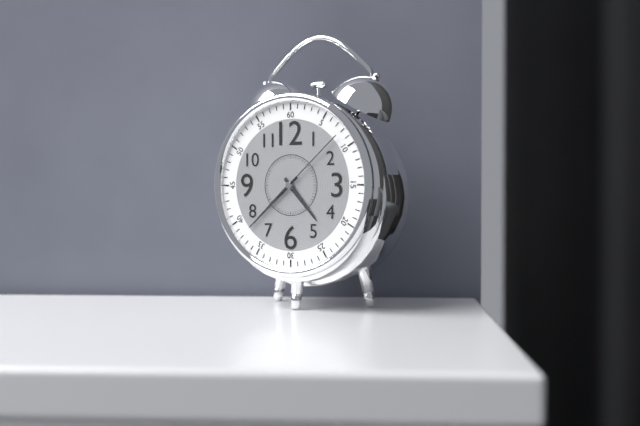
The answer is {"hour": 4, "minute": 38, "second": 8}
